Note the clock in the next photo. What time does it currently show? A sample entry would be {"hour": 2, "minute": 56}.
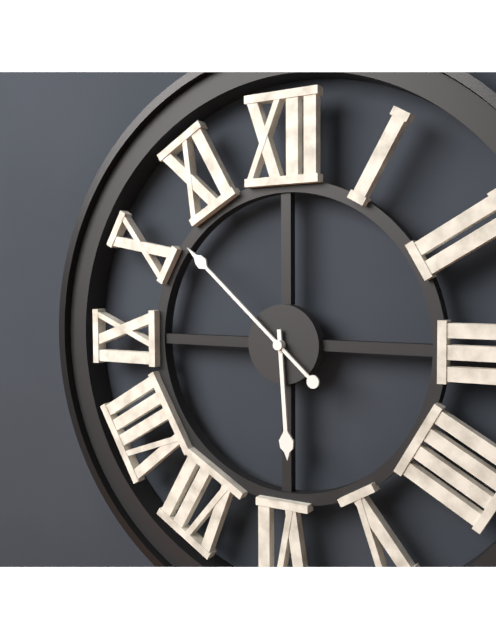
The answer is {"hour": 5, "minute": 52}
